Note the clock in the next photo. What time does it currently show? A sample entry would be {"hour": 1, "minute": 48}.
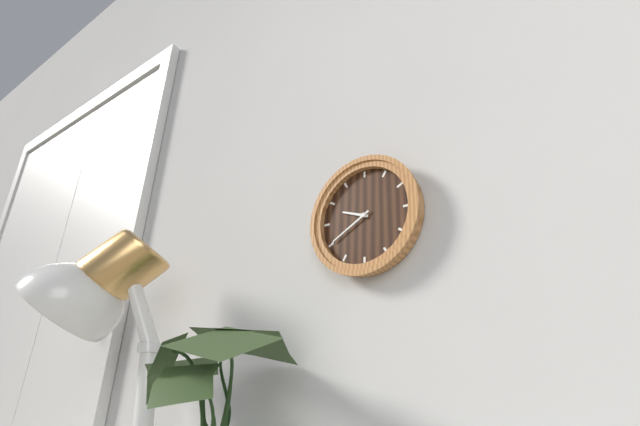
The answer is {"hour": 9, "minute": 40}
